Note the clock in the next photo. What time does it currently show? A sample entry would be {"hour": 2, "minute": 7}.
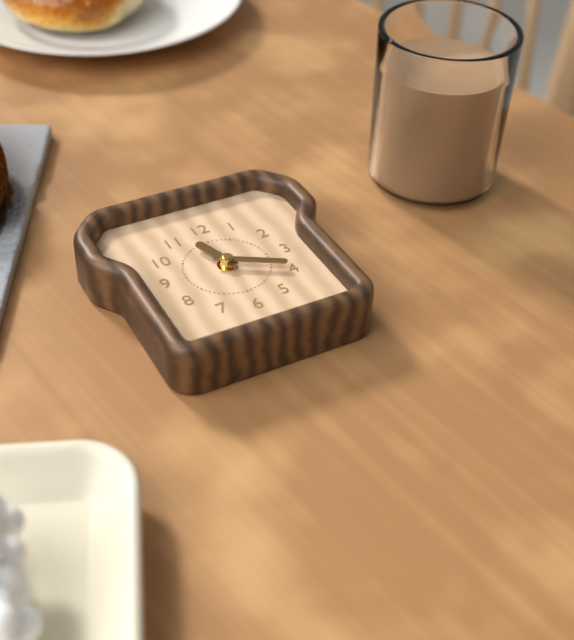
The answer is {"hour": 11, "minute": 20}
